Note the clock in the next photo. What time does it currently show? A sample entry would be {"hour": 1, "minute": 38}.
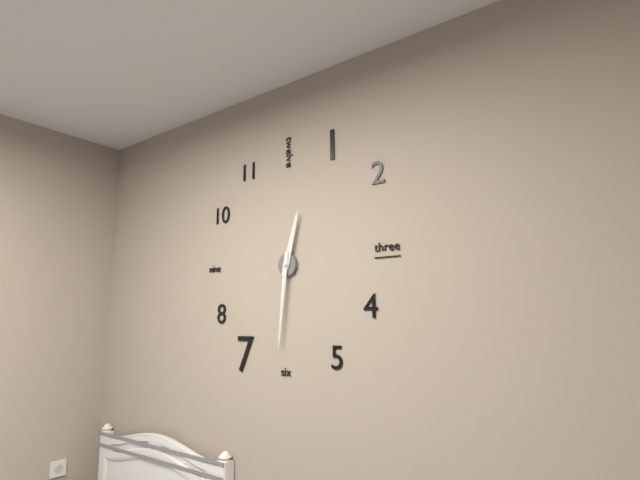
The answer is {"hour": 12, "minute": 31}
